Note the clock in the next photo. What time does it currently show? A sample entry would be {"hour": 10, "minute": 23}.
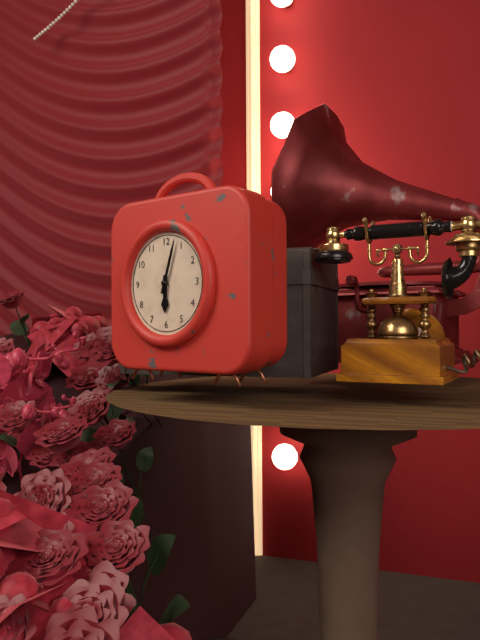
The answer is {"hour": 6, "minute": 3}
